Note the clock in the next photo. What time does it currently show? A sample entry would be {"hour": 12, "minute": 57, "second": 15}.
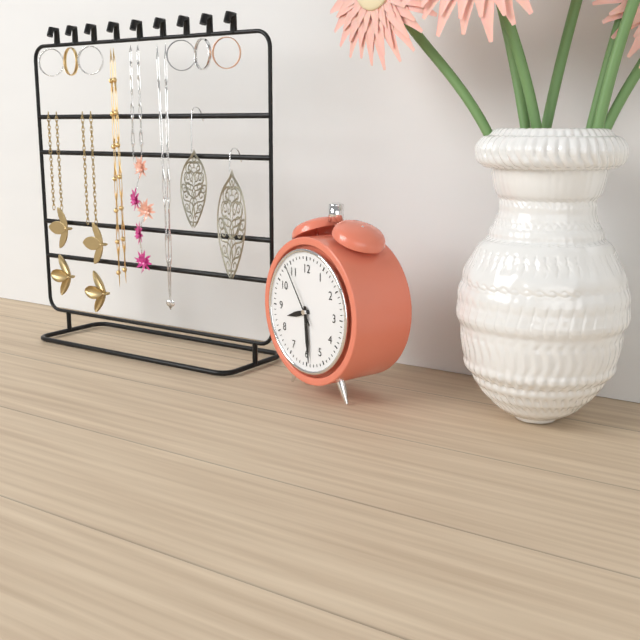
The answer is {"hour": 8, "minute": 29, "second": 54}
